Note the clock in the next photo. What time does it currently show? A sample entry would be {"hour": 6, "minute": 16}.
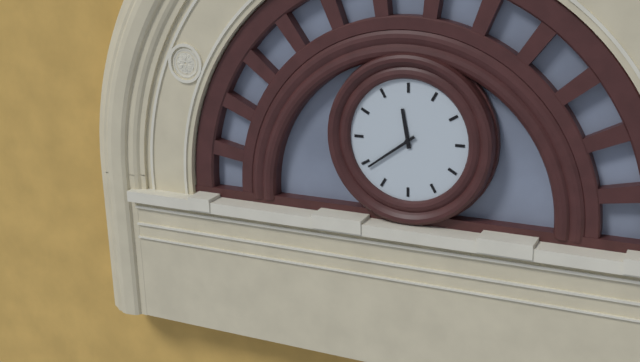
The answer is {"hour": 11, "minute": 39}
